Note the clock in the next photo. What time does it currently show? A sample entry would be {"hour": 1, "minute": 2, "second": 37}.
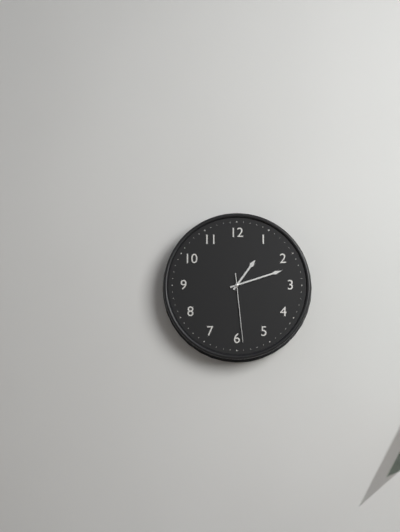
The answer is {"hour": 1, "minute": 12, "second": 29}
